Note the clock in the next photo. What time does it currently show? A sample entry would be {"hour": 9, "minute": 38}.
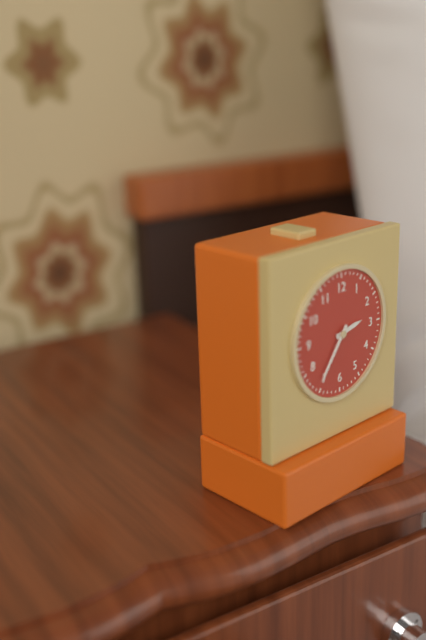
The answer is {"hour": 2, "minute": 36}
